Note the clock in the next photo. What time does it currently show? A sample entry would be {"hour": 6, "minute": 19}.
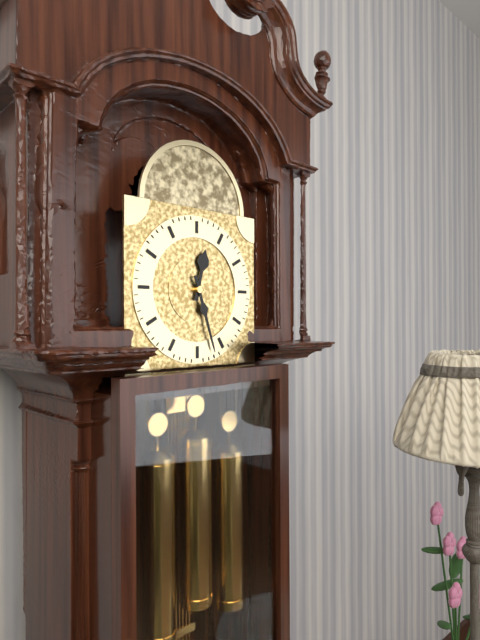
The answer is {"hour": 12, "minute": 27}
